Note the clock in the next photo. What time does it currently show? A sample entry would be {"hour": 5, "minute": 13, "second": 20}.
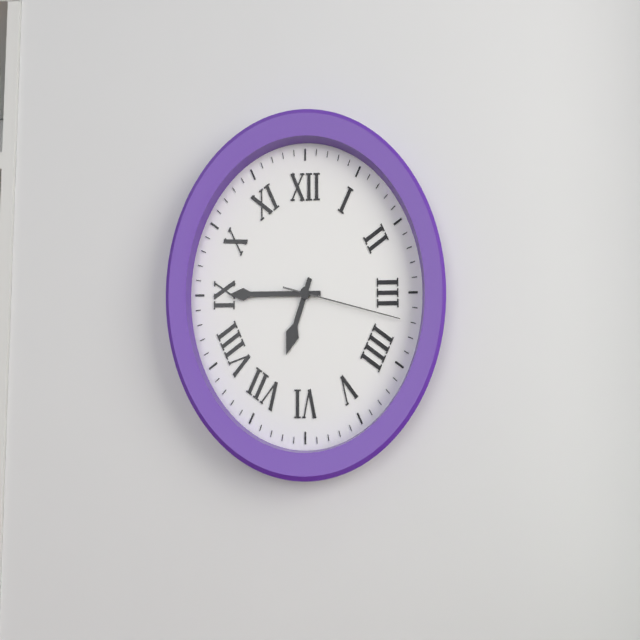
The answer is {"hour": 6, "minute": 45, "second": 17}
